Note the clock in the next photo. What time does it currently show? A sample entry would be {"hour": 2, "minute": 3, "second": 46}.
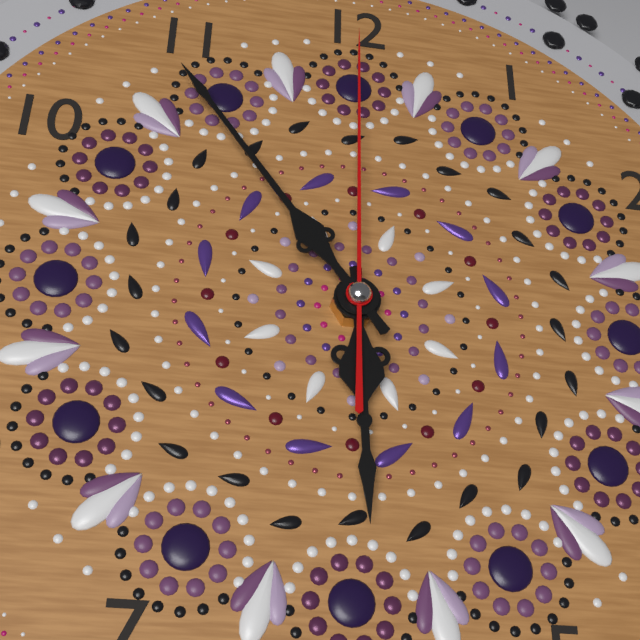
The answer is {"hour": 5, "minute": 54, "second": 0}
